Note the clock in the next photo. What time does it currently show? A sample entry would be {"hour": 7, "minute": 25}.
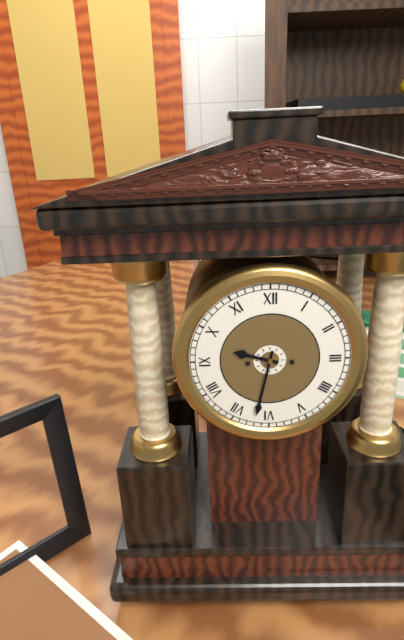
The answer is {"hour": 9, "minute": 32}
